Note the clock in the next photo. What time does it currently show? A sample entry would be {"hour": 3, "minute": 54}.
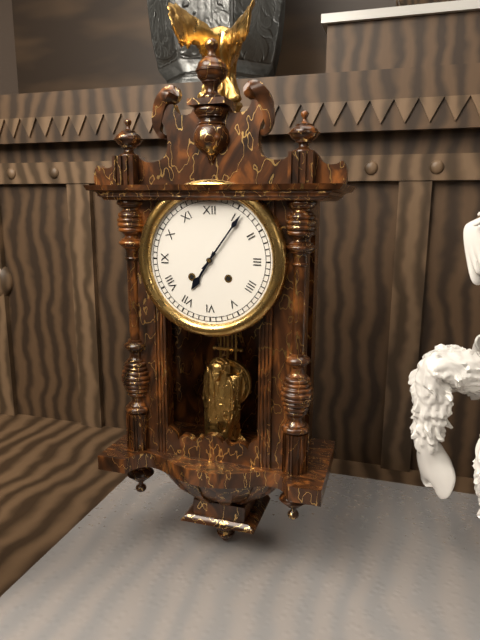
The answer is {"hour": 7, "minute": 6}
